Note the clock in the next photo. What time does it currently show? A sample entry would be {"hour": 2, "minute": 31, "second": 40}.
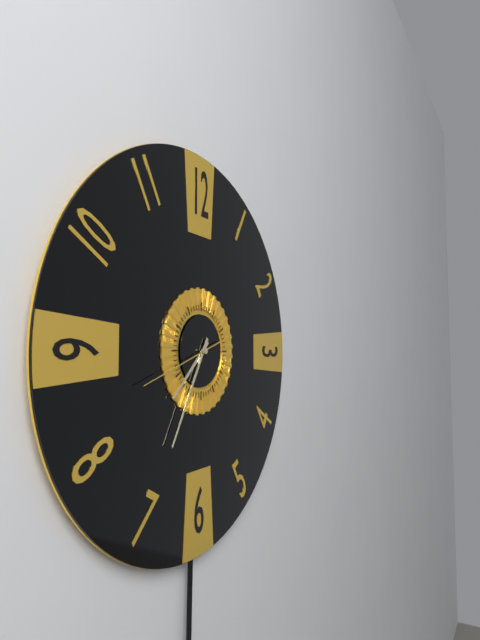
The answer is {"hour": 7, "minute": 35, "second": 42}
